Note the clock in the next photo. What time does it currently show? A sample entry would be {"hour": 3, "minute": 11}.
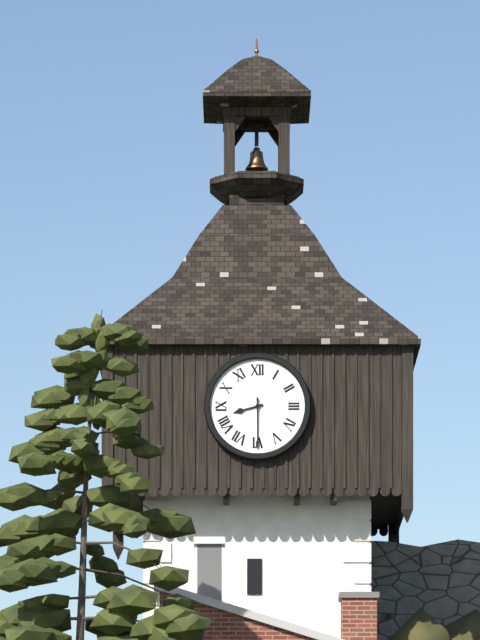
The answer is {"hour": 8, "minute": 30}
